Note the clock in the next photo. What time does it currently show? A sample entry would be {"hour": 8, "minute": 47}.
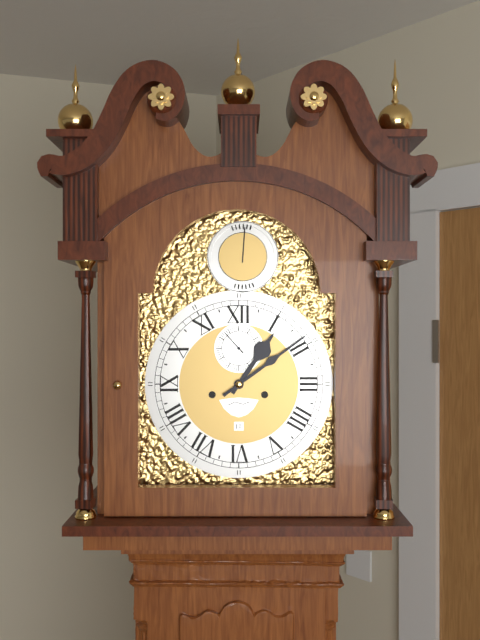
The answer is {"hour": 1, "minute": 9}
